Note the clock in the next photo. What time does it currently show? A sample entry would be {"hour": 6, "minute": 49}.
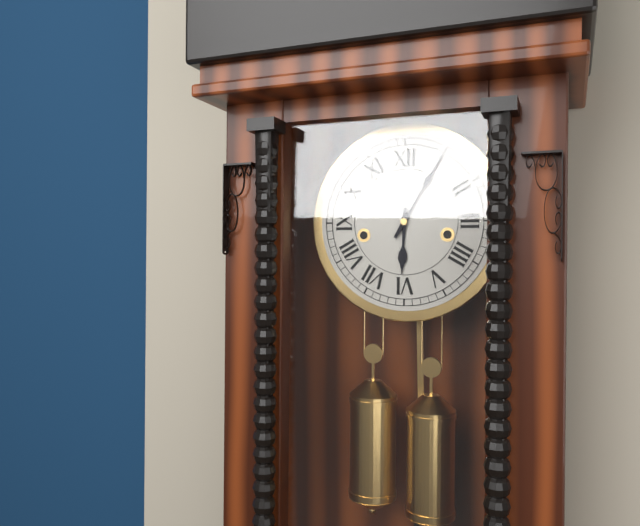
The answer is {"hour": 6, "minute": 5}
